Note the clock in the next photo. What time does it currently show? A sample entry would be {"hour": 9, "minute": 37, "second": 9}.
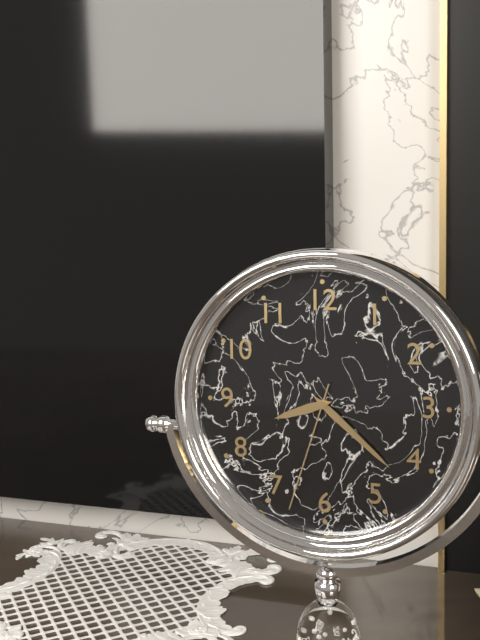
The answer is {"hour": 8, "minute": 22, "second": 33}
